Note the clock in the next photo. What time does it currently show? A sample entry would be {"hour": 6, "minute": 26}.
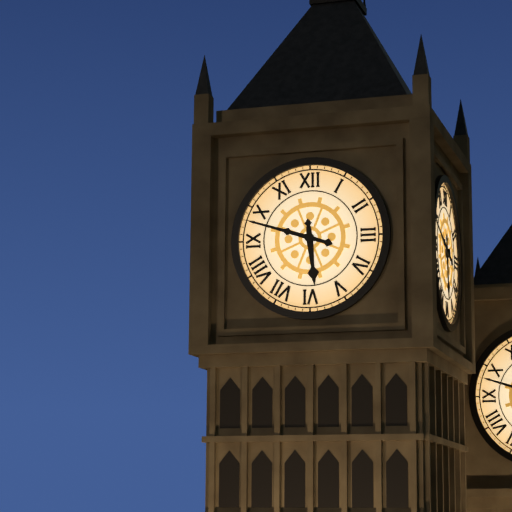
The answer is {"hour": 5, "minute": 48}
